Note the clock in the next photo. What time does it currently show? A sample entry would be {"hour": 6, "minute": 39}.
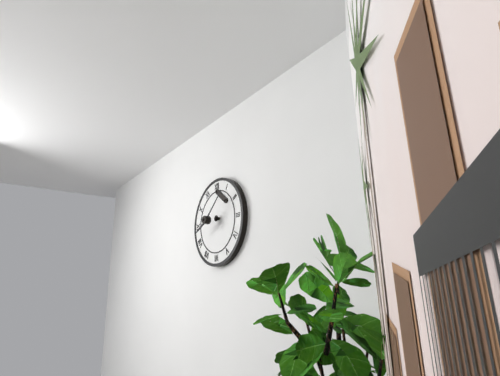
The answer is {"hour": 8, "minute": 8}
